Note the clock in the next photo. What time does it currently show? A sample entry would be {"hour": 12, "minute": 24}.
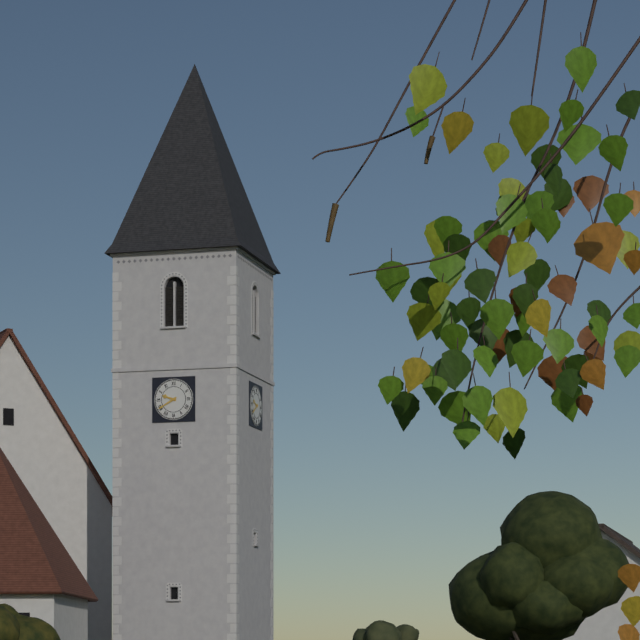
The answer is {"hour": 9, "minute": 40}
